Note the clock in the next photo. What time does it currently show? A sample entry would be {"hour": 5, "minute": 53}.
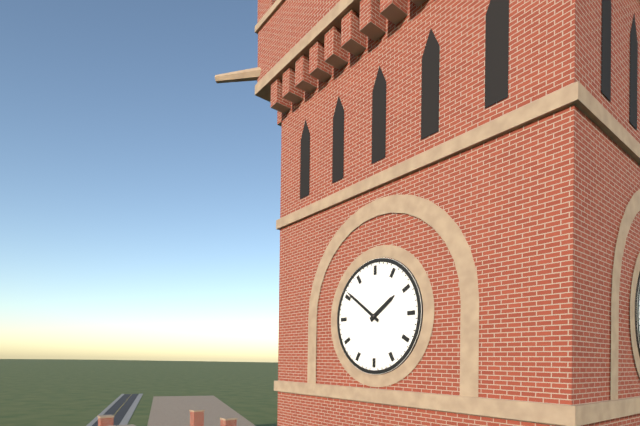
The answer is {"hour": 1, "minute": 51}
